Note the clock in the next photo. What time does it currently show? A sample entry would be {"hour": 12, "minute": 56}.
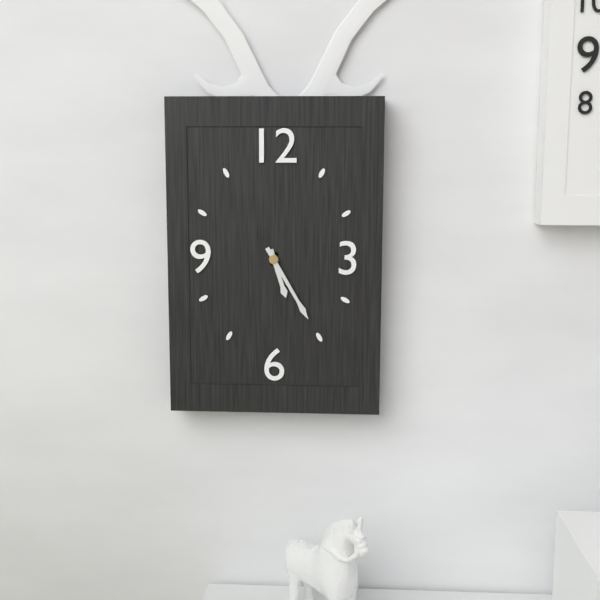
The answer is {"hour": 5, "minute": 25}
